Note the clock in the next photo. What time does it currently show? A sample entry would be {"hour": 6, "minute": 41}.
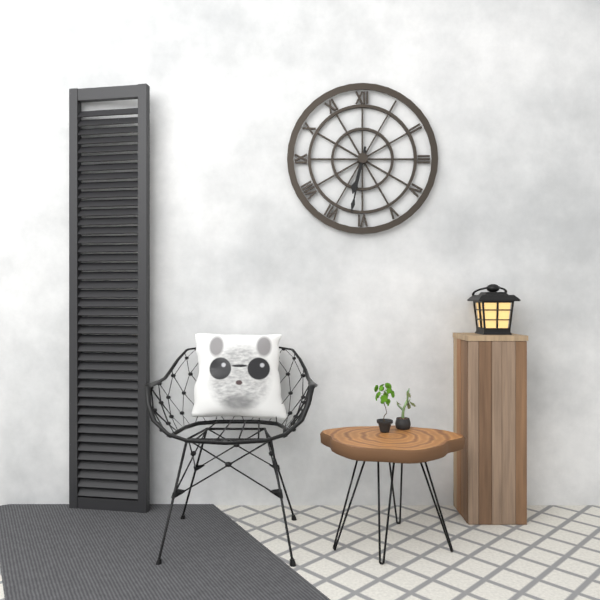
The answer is {"hour": 6, "minute": 32}
